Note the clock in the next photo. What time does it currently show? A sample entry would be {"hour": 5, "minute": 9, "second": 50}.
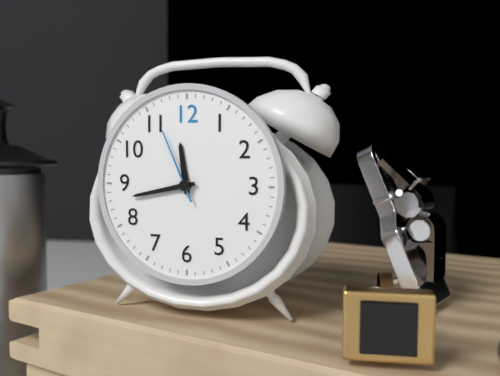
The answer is {"hour": 11, "minute": 43, "second": 56}
